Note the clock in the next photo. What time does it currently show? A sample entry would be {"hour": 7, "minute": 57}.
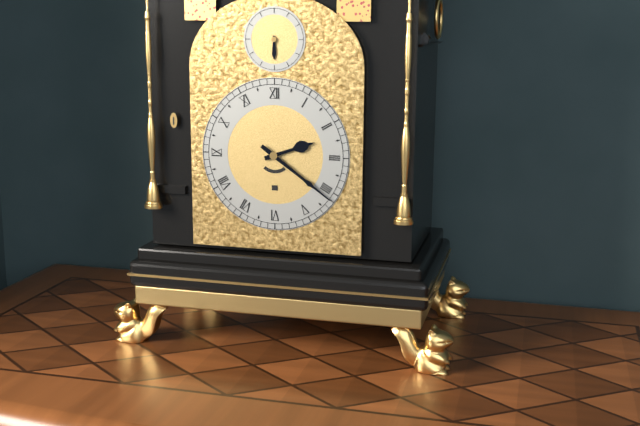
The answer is {"hour": 2, "minute": 21}
